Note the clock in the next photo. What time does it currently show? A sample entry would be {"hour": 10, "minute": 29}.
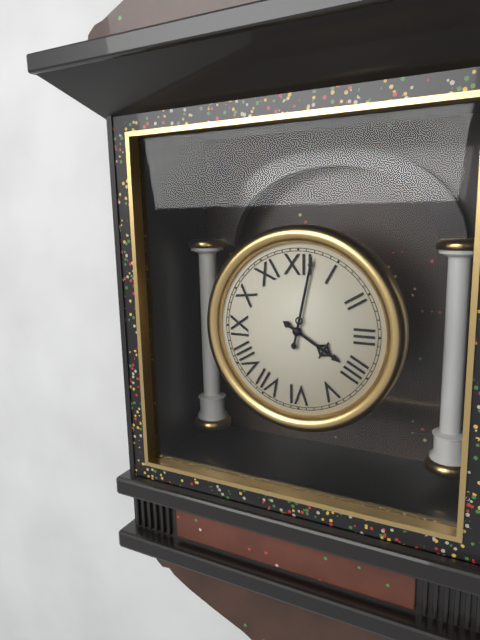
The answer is {"hour": 4, "minute": 2}
